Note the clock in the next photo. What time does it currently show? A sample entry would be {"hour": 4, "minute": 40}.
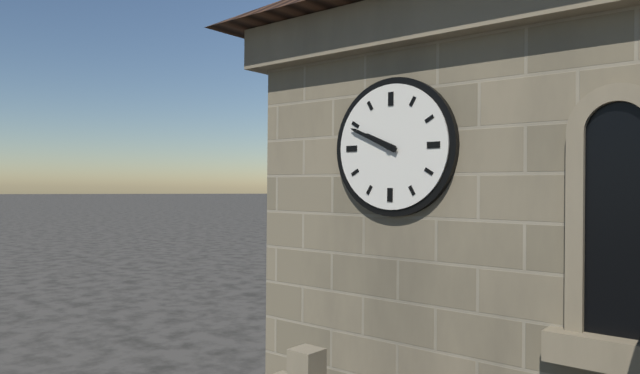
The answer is {"hour": 9, "minute": 49}
